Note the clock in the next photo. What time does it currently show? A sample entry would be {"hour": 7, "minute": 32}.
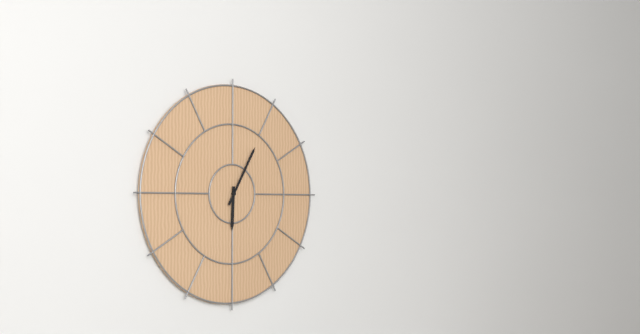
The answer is {"hour": 6, "minute": 5}
